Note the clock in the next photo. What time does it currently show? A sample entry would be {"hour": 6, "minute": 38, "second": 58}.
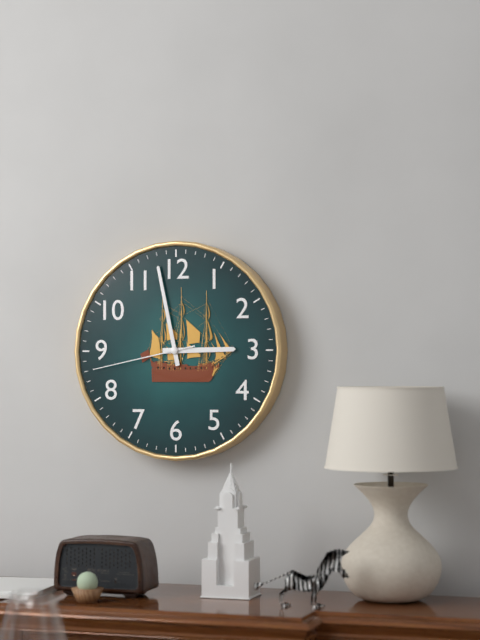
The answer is {"hour": 2, "minute": 58, "second": 43}
